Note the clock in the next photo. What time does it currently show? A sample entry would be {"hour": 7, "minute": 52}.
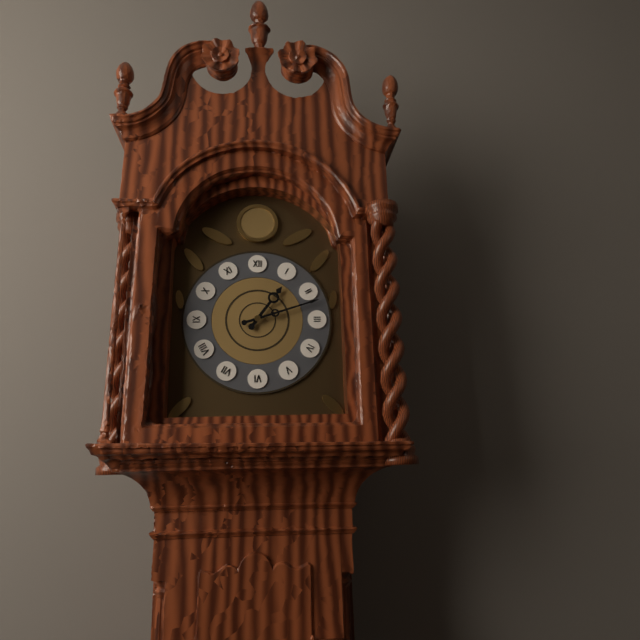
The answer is {"hour": 1, "minute": 12}
